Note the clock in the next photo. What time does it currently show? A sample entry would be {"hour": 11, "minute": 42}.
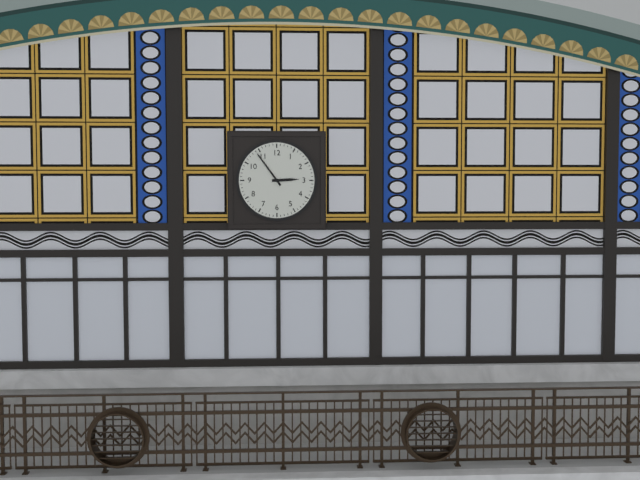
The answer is {"hour": 2, "minute": 54}
